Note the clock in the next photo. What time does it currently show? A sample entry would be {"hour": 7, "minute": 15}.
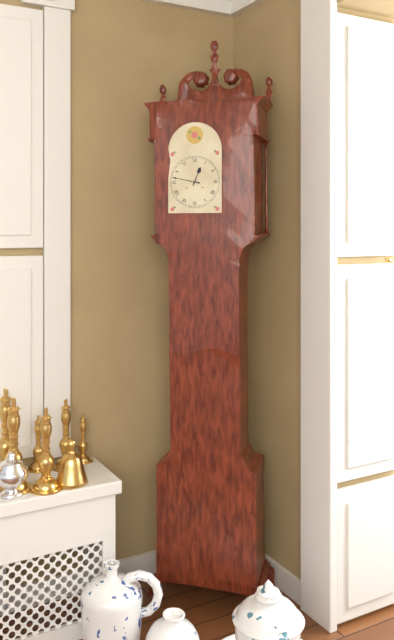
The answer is {"hour": 12, "minute": 47}
